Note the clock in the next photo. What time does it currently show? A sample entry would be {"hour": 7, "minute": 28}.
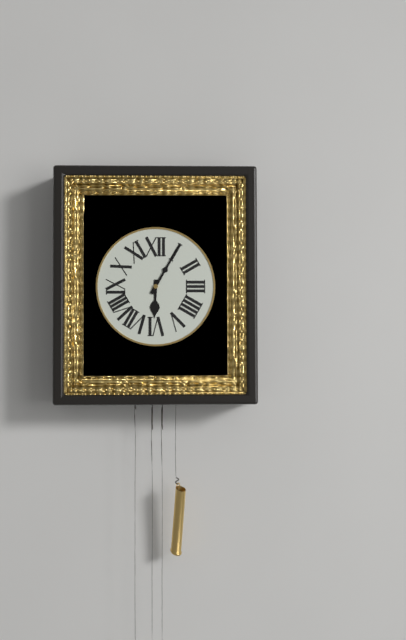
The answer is {"hour": 6, "minute": 5}
